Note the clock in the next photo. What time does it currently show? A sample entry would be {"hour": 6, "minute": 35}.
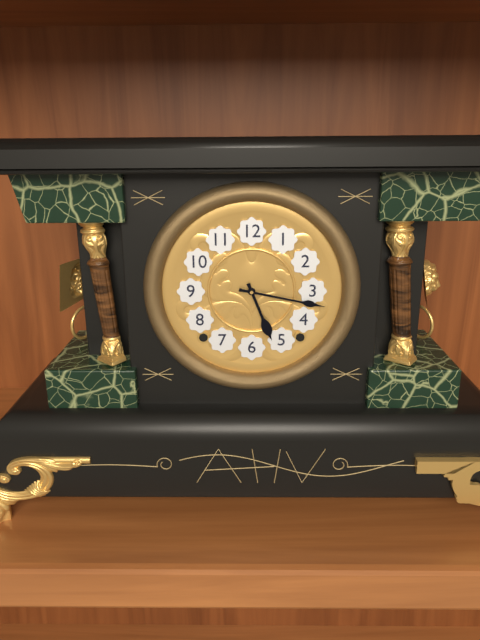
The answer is {"hour": 5, "minute": 17}
